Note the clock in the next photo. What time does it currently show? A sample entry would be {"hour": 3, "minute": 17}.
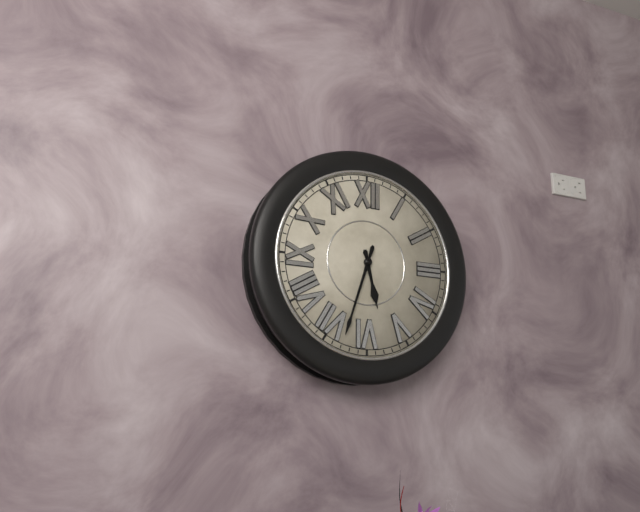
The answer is {"hour": 5, "minute": 33}
